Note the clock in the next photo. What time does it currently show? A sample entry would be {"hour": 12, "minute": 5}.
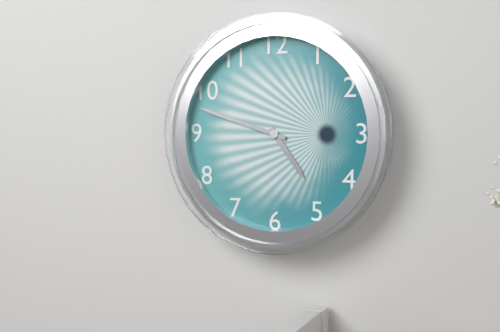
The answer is {"hour": 4, "minute": 48}
